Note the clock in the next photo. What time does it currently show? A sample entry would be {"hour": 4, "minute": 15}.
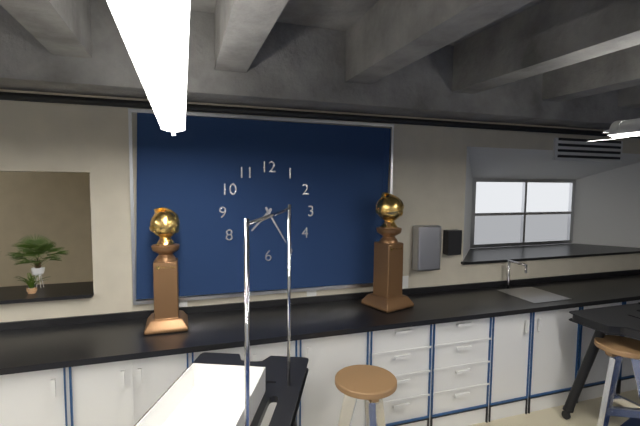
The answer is {"hour": 7, "minute": 25}
